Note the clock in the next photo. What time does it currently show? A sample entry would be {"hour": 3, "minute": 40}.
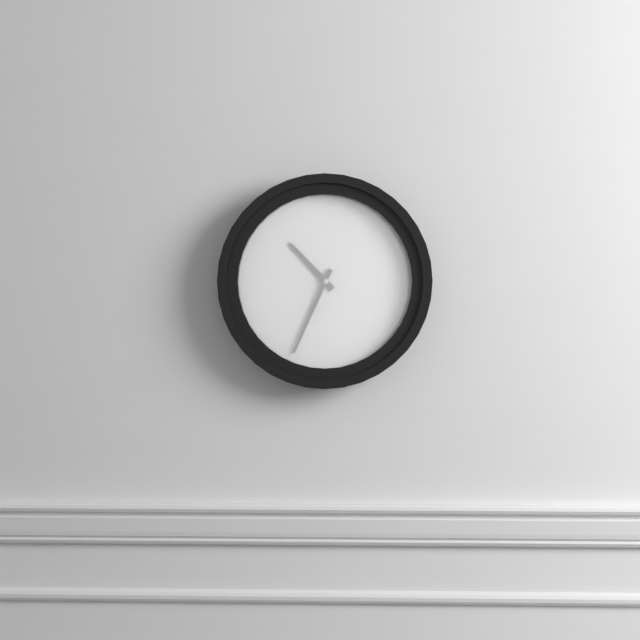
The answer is {"hour": 10, "minute": 34}
